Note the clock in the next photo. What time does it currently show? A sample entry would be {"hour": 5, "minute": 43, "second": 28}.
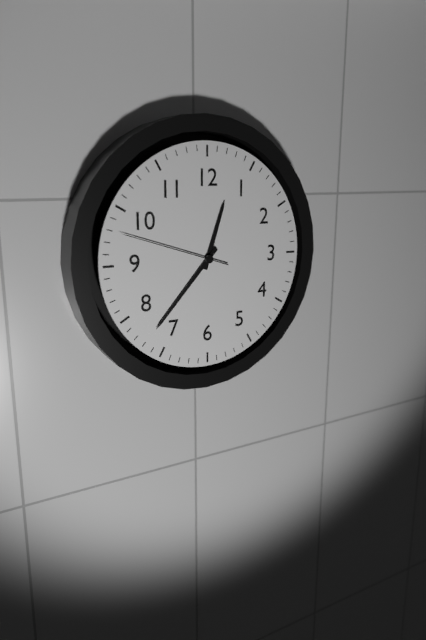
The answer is {"hour": 12, "minute": 37, "second": 48}
